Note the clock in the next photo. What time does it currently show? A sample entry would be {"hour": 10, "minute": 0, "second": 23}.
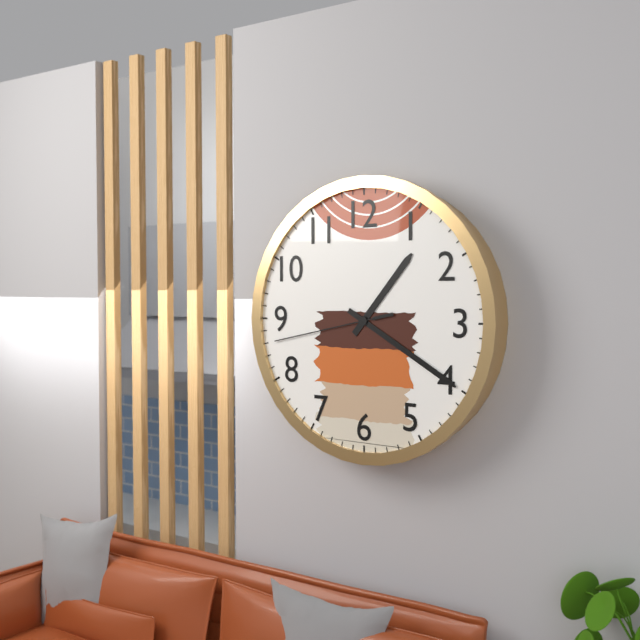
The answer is {"hour": 1, "minute": 20, "second": 43}
